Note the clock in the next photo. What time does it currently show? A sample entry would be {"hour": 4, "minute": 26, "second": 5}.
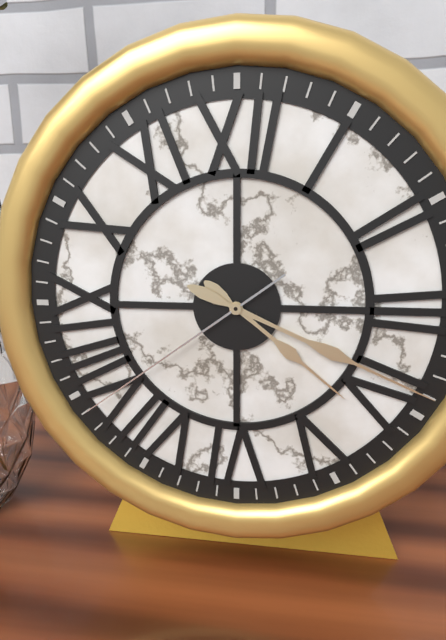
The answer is {"hour": 4, "minute": 19, "second": 39}
